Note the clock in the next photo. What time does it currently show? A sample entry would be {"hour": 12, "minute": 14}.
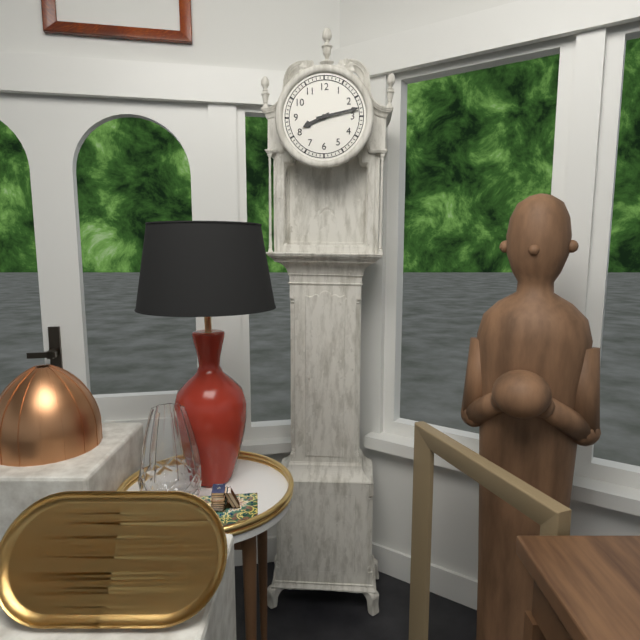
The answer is {"hour": 8, "minute": 13}
